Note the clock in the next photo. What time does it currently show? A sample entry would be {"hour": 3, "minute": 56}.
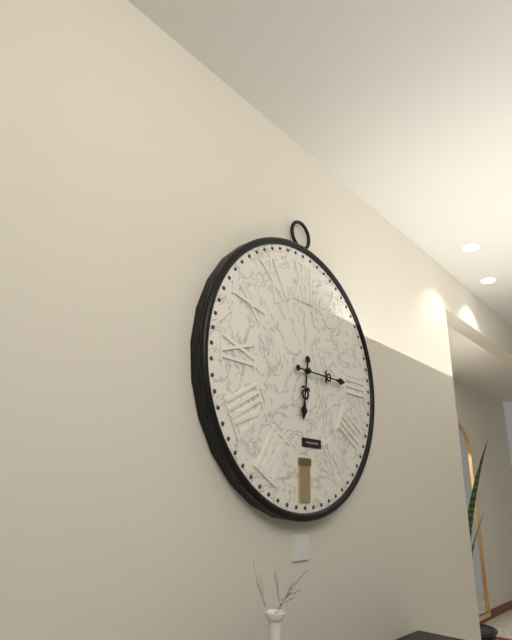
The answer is {"hour": 6, "minute": 15}
